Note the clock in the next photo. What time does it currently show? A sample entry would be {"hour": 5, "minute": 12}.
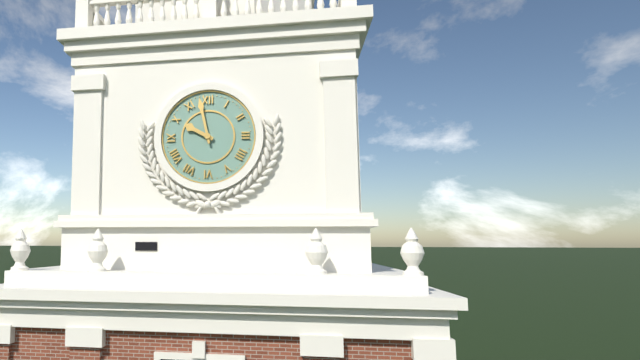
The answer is {"hour": 9, "minute": 58}
